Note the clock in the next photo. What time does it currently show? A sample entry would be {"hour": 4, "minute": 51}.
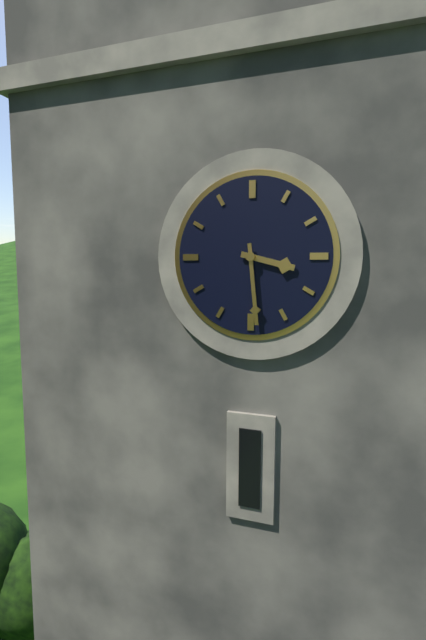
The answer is {"hour": 3, "minute": 29}
